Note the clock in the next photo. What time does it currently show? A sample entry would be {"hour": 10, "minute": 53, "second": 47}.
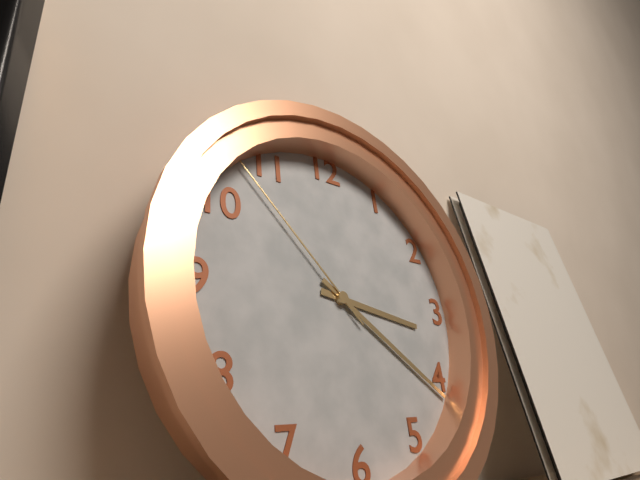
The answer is {"hour": 3, "minute": 21, "second": 53}
